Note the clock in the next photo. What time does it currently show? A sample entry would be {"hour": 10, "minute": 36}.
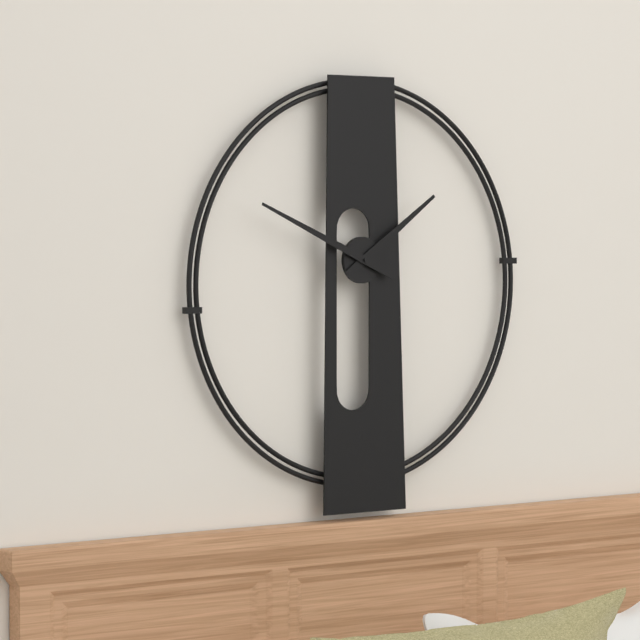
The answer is {"hour": 1, "minute": 49}
